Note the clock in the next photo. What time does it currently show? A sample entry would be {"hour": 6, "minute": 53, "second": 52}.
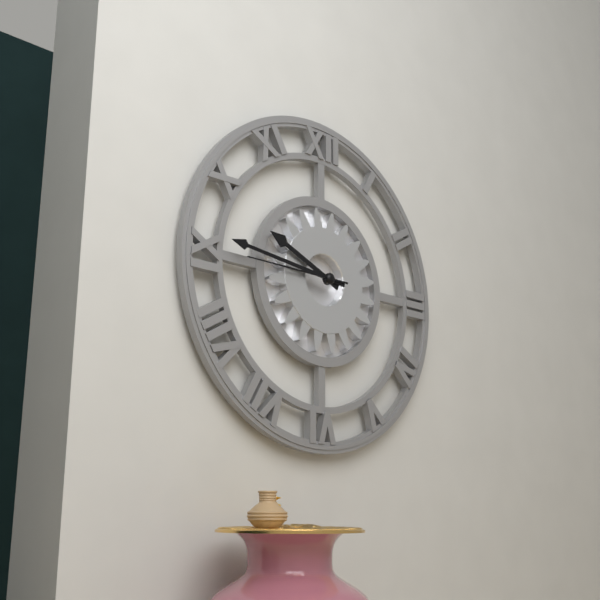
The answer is {"hour": 9, "minute": 46, "second": 45}
